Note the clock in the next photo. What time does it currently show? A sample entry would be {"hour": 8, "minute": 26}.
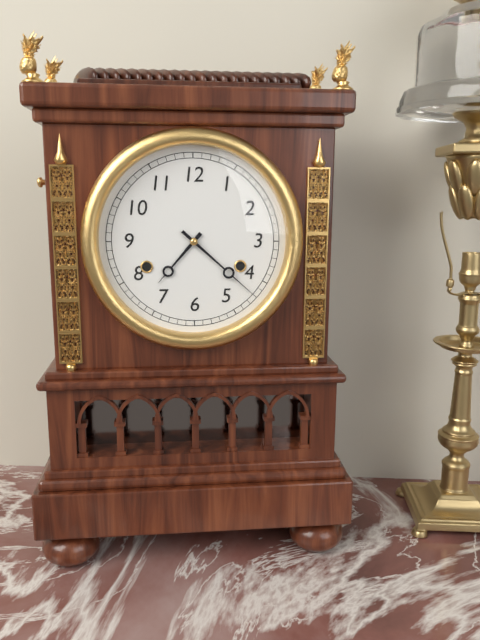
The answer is {"hour": 7, "minute": 22}
